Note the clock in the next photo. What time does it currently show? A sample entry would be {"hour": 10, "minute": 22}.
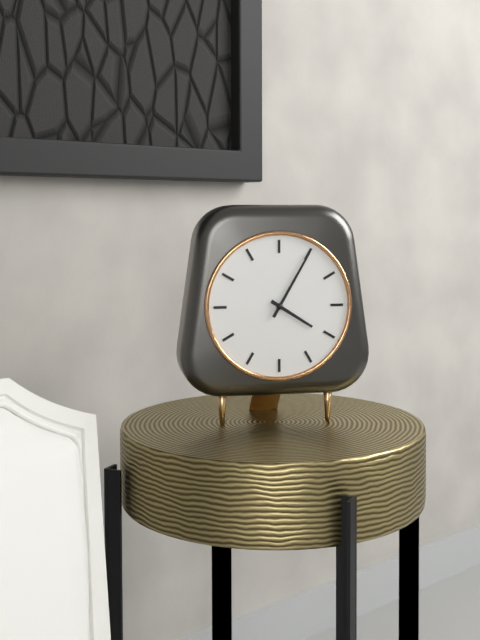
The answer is {"hour": 4, "minute": 5}
